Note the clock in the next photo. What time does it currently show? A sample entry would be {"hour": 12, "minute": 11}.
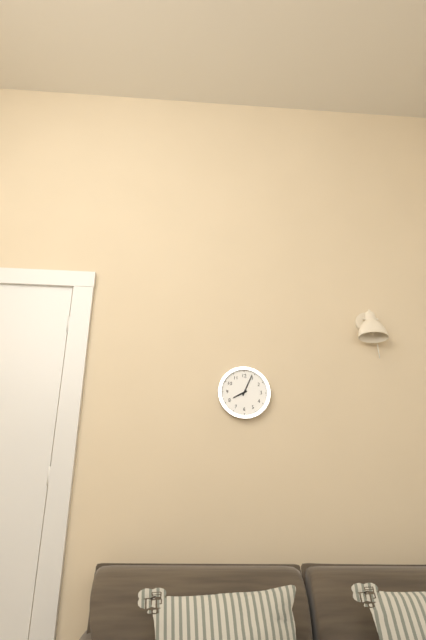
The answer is {"hour": 8, "minute": 4}
